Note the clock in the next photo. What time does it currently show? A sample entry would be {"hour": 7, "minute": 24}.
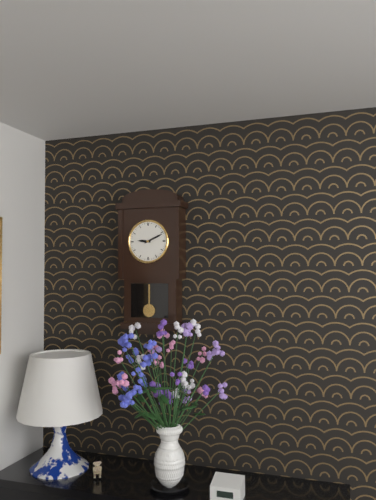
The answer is {"hour": 9, "minute": 11}
